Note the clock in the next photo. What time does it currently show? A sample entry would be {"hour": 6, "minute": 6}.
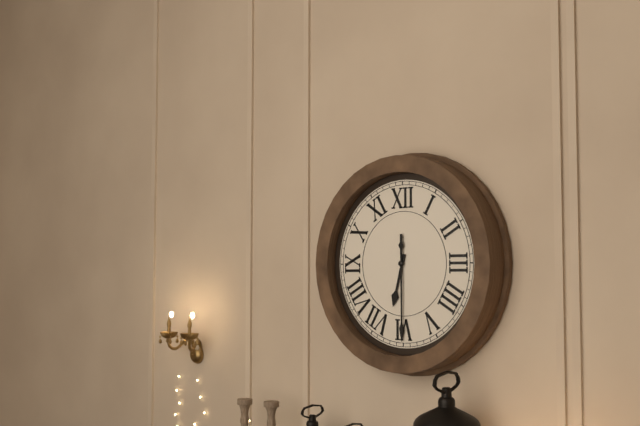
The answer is {"hour": 6, "minute": 30}
